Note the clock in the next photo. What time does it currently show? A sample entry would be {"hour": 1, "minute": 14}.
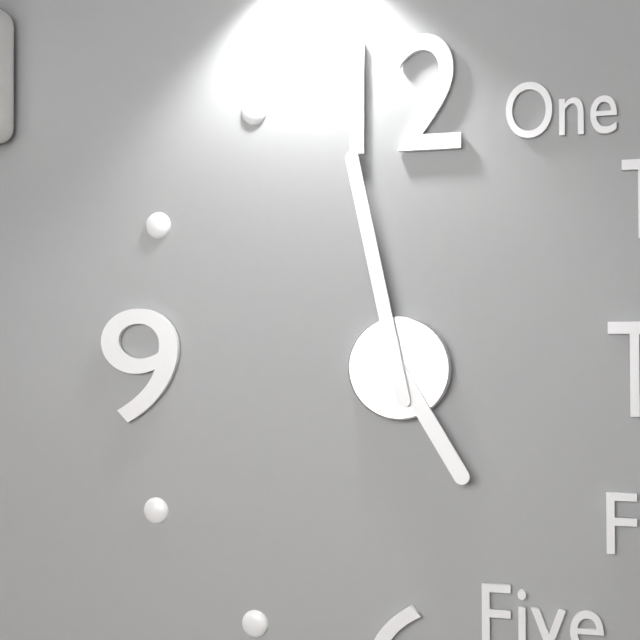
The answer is {"hour": 4, "minute": 58}
